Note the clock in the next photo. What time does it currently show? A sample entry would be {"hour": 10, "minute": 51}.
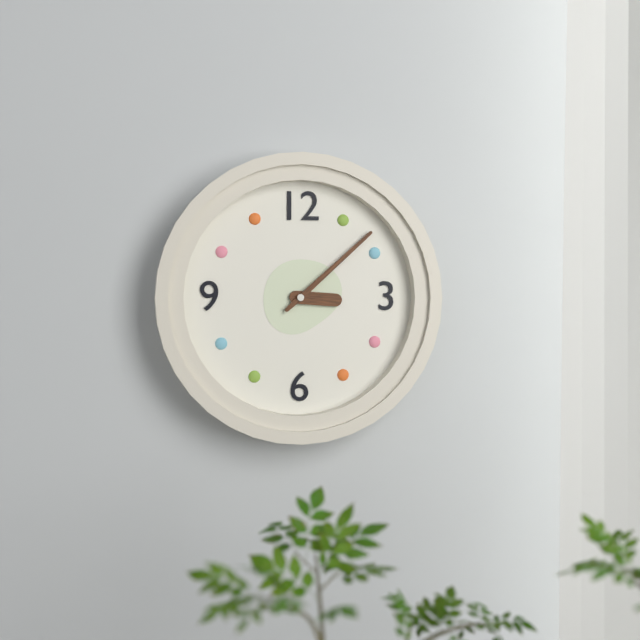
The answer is {"hour": 3, "minute": 8}
